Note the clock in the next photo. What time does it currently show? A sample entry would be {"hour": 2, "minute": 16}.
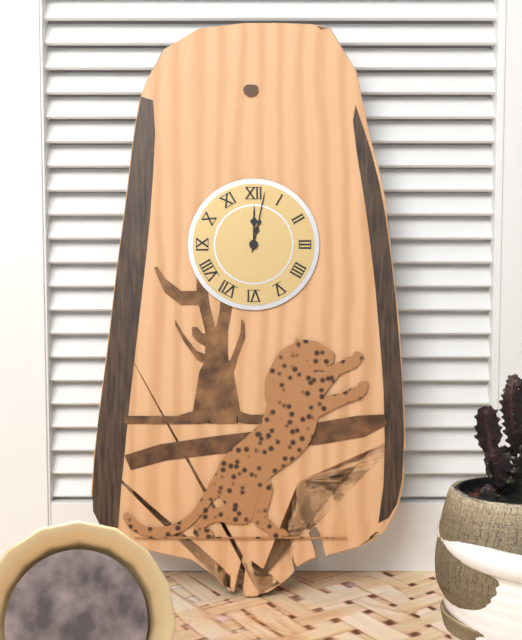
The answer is {"hour": 12, "minute": 2}
